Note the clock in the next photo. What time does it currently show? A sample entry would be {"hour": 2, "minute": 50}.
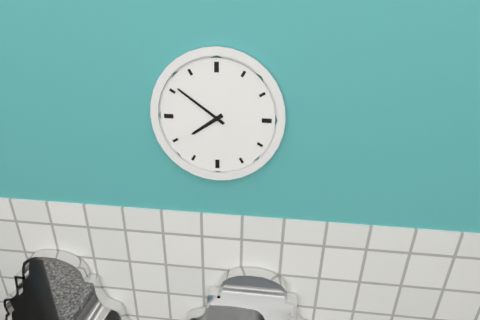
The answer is {"hour": 7, "minute": 51}
